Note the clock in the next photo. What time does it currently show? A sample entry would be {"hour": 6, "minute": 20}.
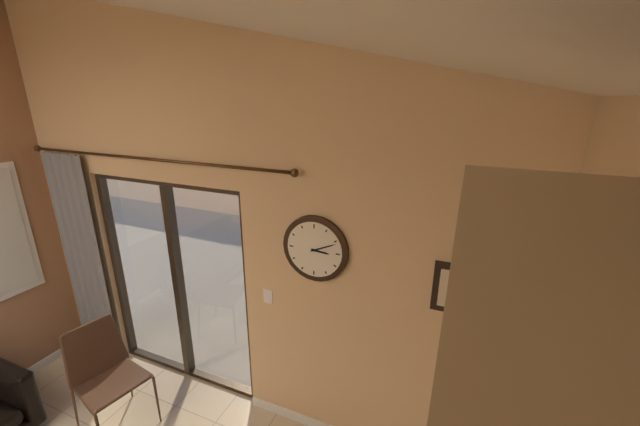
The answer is {"hour": 3, "minute": 11}
